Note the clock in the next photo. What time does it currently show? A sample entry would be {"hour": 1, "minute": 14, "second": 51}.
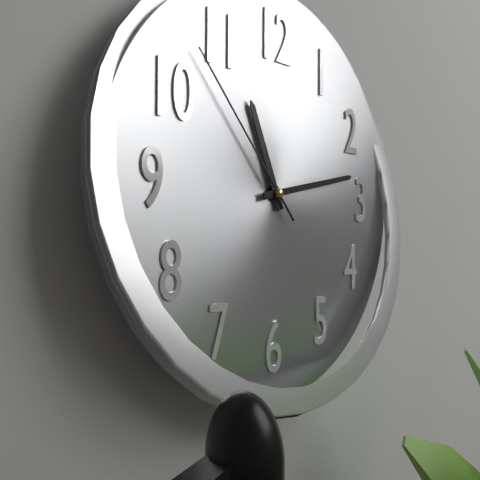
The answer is {"hour": 11, "minute": 13, "second": 53}
